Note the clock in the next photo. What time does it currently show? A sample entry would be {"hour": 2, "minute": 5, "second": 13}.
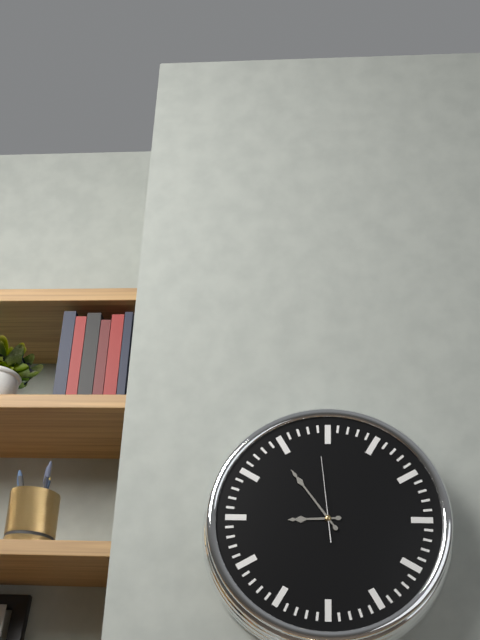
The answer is {"hour": 8, "minute": 54, "second": 59}
